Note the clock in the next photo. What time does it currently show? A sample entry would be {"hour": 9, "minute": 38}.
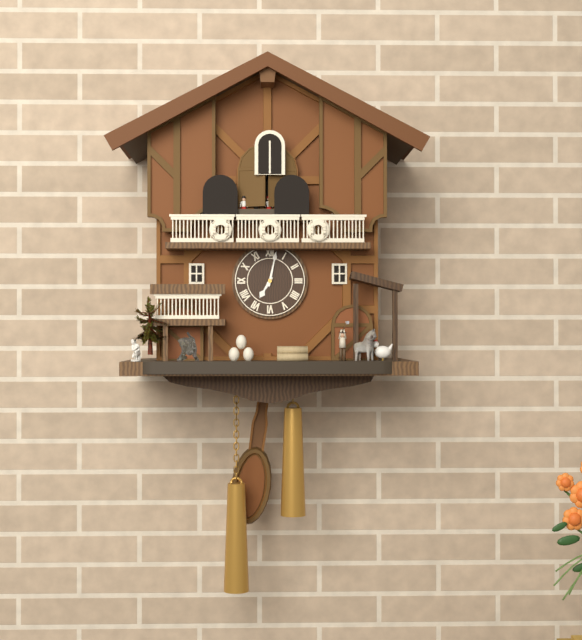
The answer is {"hour": 7, "minute": 2}
